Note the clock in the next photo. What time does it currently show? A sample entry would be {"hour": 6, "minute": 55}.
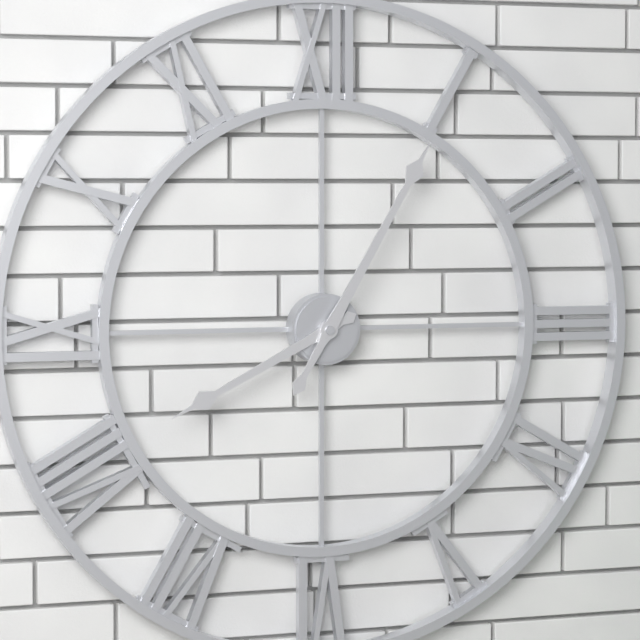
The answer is {"hour": 8, "minute": 5}
